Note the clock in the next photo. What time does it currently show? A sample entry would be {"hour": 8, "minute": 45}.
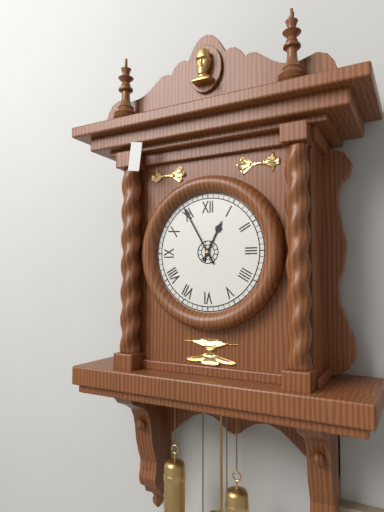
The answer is {"hour": 12, "minute": 55}
